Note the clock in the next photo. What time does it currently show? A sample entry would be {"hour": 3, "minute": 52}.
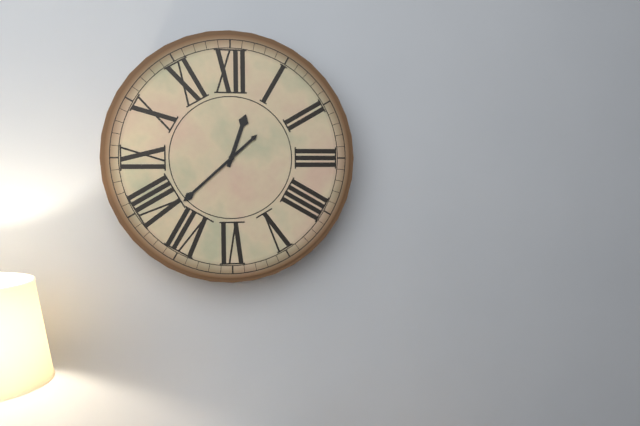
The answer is {"hour": 12, "minute": 38}
